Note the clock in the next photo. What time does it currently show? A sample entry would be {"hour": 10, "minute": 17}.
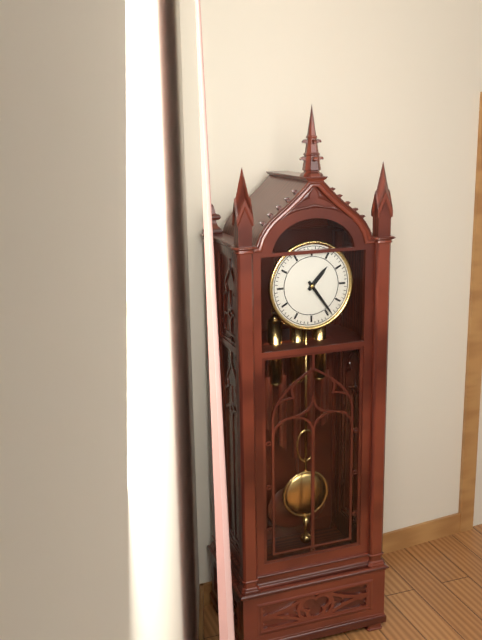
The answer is {"hour": 1, "minute": 24}
